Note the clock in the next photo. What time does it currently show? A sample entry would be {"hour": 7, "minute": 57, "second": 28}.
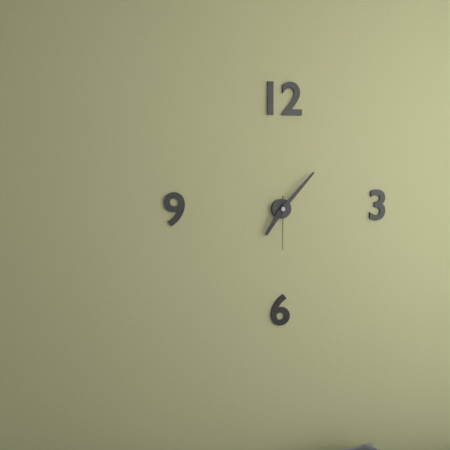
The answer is {"hour": 7, "minute": 7, "second": 30}
